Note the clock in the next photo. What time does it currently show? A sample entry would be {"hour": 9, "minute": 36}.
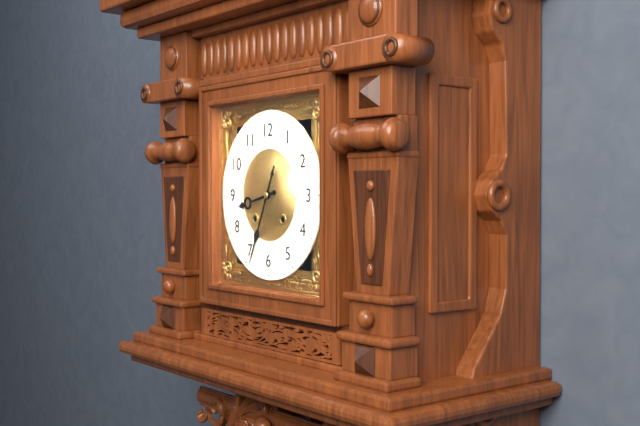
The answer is {"hour": 8, "minute": 34}
